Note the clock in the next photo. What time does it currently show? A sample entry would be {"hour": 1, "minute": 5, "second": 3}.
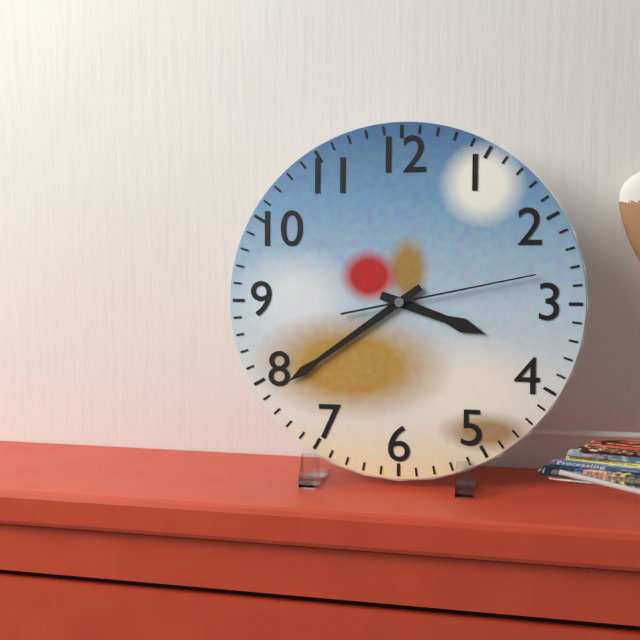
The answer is {"hour": 3, "minute": 39, "second": 13}
